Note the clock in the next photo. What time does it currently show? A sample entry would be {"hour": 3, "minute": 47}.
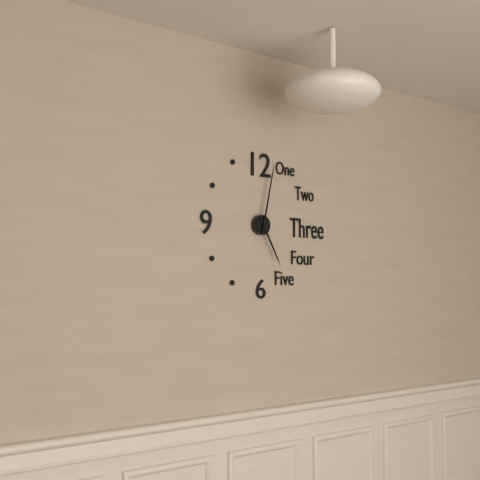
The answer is {"hour": 5, "minute": 2}
